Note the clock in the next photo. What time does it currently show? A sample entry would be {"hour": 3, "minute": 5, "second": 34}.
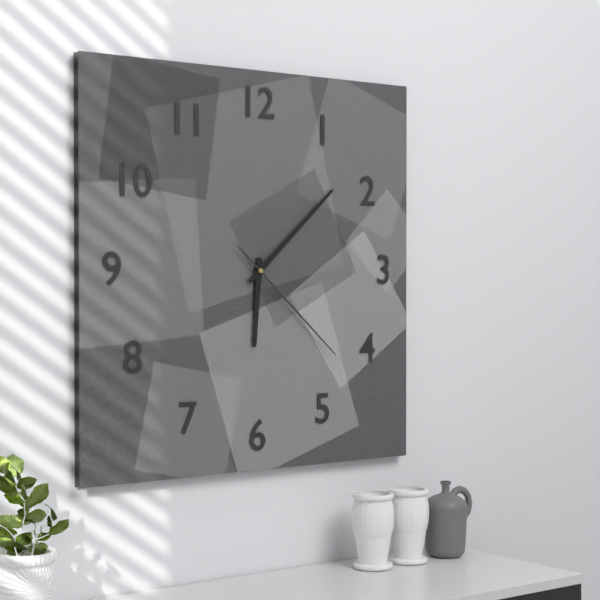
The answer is {"hour": 6, "minute": 8, "second": 22}
